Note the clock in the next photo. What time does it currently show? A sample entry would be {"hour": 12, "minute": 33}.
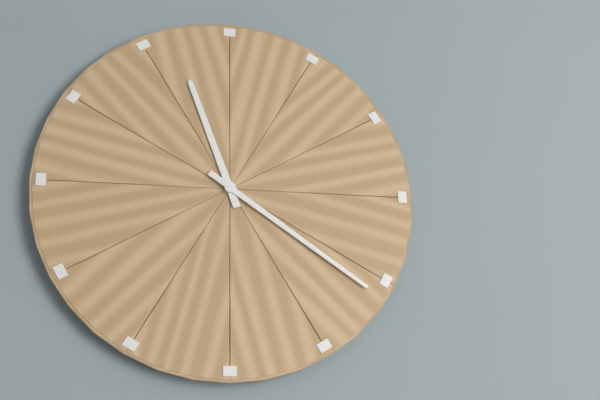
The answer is {"hour": 11, "minute": 21}
